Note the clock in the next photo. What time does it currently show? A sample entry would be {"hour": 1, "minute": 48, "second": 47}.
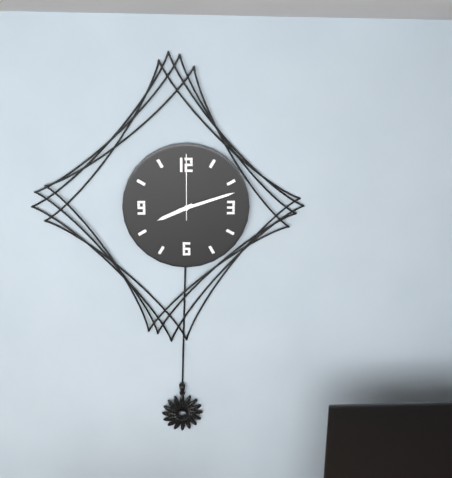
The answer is {"hour": 8, "minute": 12, "second": 0}
